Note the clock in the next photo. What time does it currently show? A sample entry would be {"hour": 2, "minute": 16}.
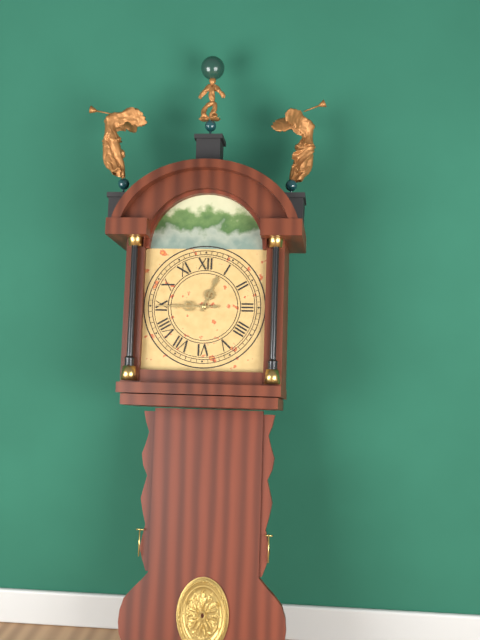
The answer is {"hour": 12, "minute": 45}
